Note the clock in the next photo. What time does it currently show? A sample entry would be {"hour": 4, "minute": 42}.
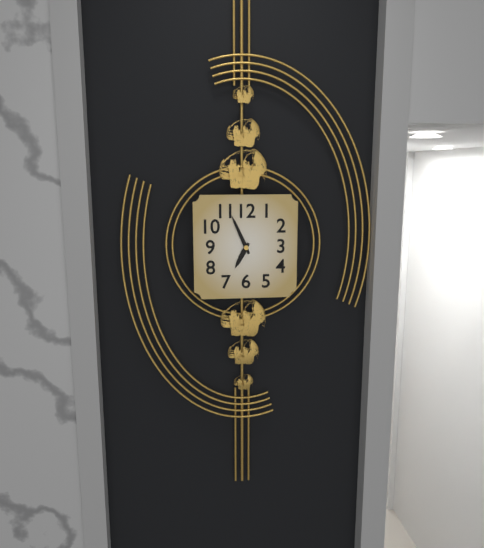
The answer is {"hour": 6, "minute": 56}
